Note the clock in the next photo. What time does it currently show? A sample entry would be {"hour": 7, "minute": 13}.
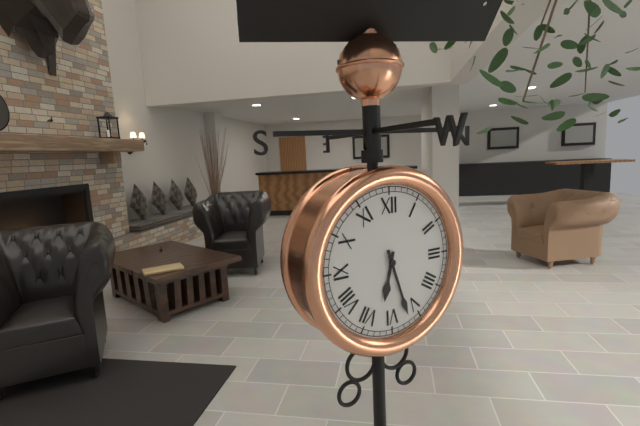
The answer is {"hour": 6, "minute": 27}
